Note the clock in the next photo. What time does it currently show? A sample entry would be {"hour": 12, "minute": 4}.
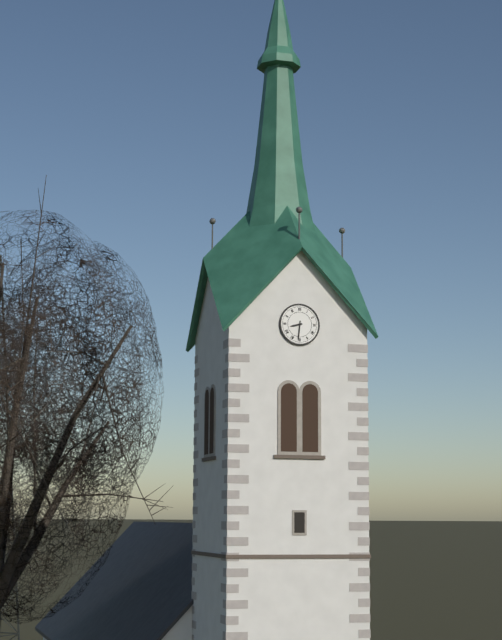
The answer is {"hour": 8, "minute": 31}
